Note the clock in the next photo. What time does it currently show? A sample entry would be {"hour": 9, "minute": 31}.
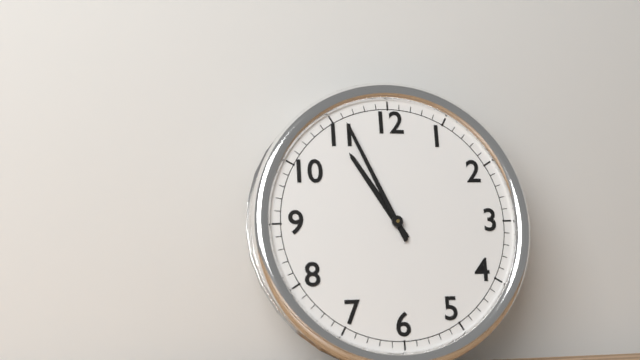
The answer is {"hour": 10, "minute": 56}
